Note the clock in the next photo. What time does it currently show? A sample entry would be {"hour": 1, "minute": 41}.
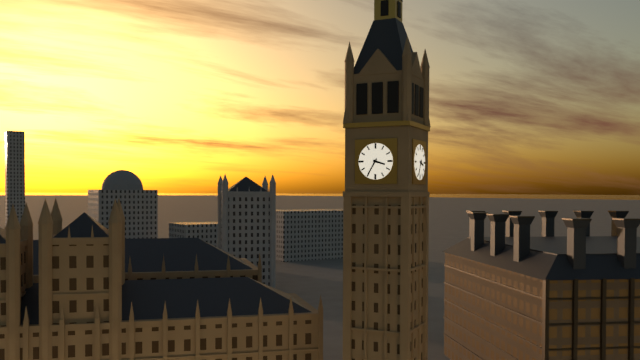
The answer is {"hour": 3, "minute": 35}
